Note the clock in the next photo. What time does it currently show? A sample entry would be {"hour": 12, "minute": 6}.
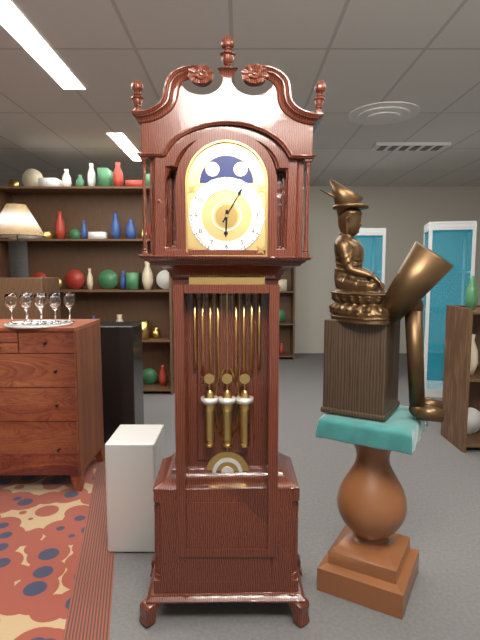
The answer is {"hour": 6, "minute": 5}
